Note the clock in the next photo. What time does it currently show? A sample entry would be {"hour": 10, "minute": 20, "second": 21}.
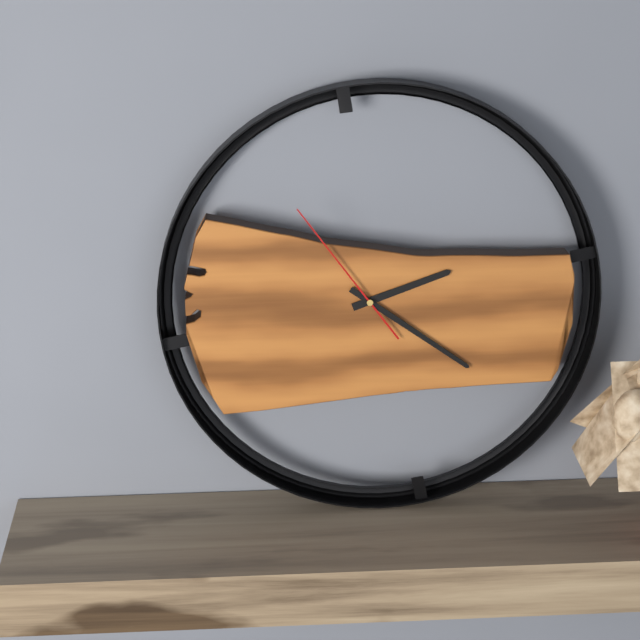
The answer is {"hour": 2, "minute": 21, "second": 54}
